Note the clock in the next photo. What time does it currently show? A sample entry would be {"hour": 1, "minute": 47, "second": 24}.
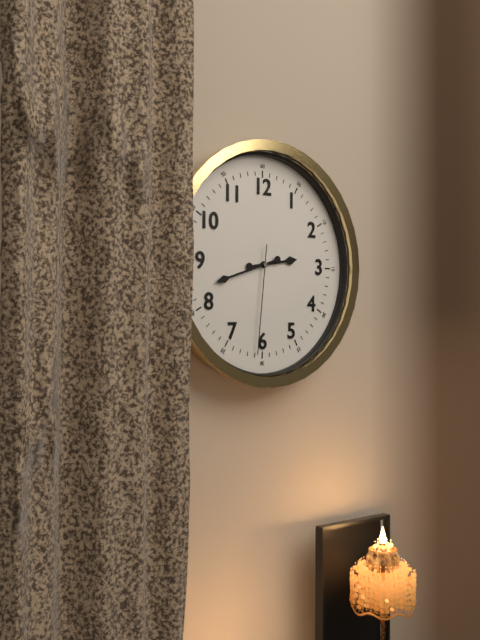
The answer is {"hour": 2, "minute": 42, "second": 31}
